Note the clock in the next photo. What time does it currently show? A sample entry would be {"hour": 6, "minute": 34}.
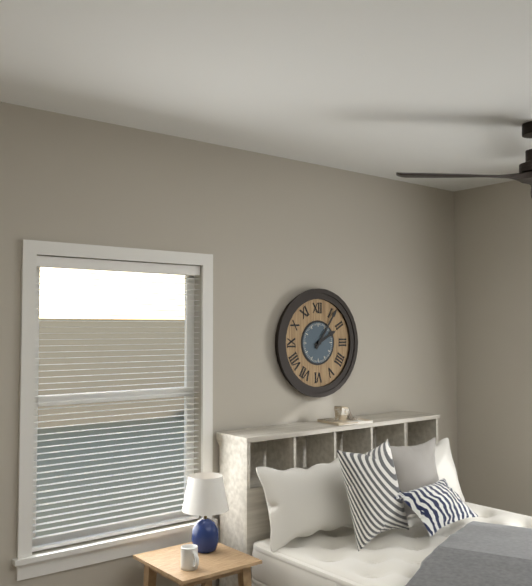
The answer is {"hour": 2, "minute": 6}
